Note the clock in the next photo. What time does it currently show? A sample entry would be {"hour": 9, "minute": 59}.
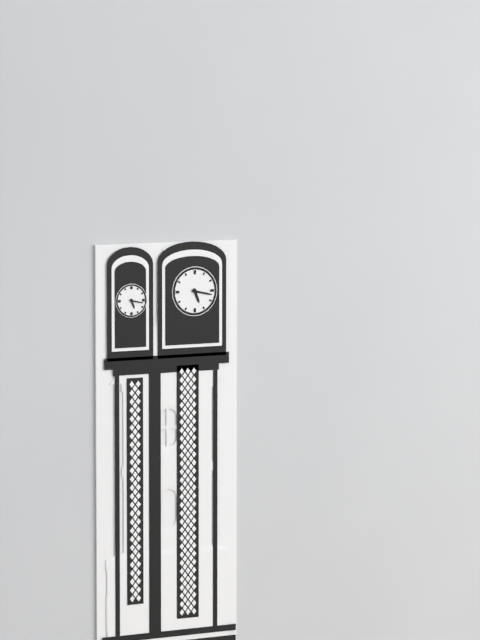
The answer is {"hour": 5, "minute": 17}
